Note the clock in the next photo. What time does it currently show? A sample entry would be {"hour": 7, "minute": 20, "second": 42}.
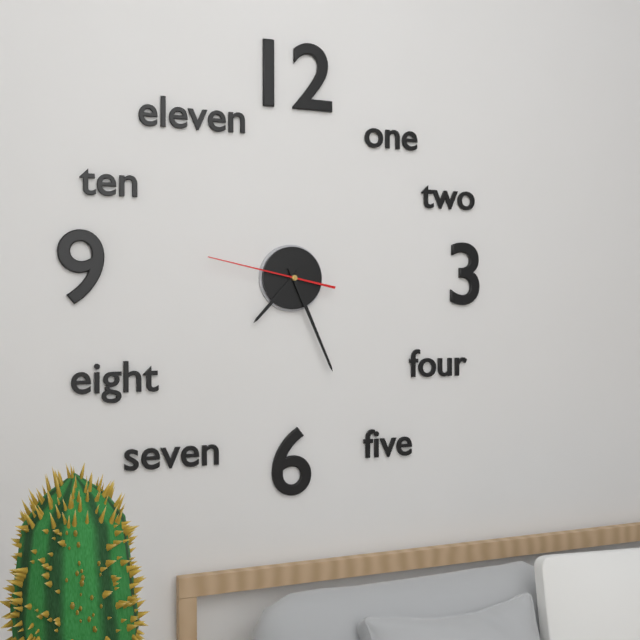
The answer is {"hour": 7, "minute": 26, "second": 47}
